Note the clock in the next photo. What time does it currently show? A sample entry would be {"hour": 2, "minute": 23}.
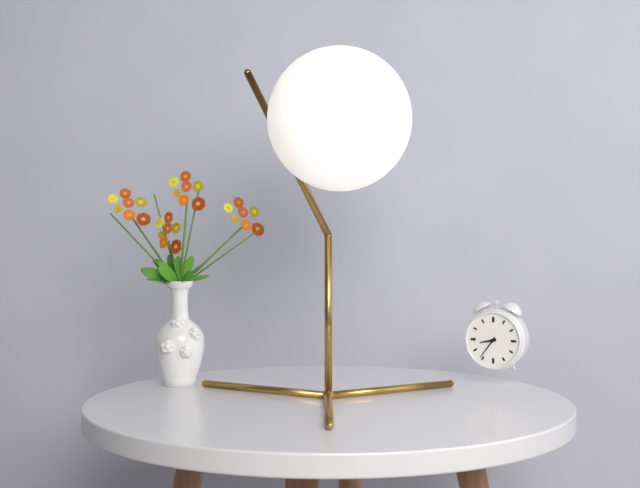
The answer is {"hour": 8, "minute": 36}
